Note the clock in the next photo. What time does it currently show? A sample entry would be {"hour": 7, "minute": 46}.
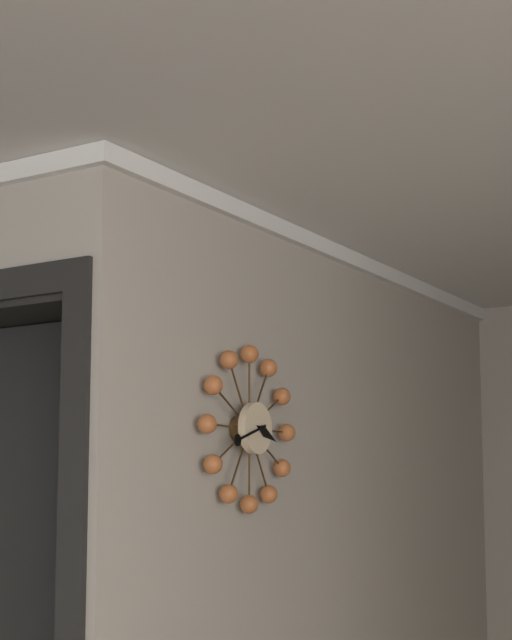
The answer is {"hour": 3, "minute": 42}
